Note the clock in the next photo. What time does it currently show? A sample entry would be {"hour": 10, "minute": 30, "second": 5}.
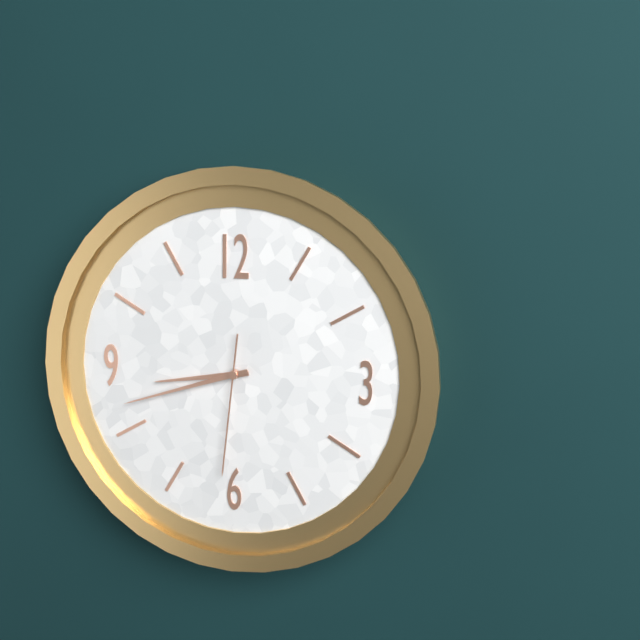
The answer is {"hour": 8, "minute": 42, "second": 31}
